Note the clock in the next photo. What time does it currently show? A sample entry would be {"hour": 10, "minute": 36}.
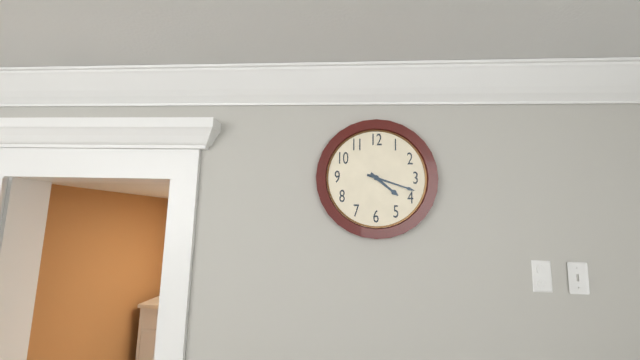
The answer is {"hour": 4, "minute": 18}
